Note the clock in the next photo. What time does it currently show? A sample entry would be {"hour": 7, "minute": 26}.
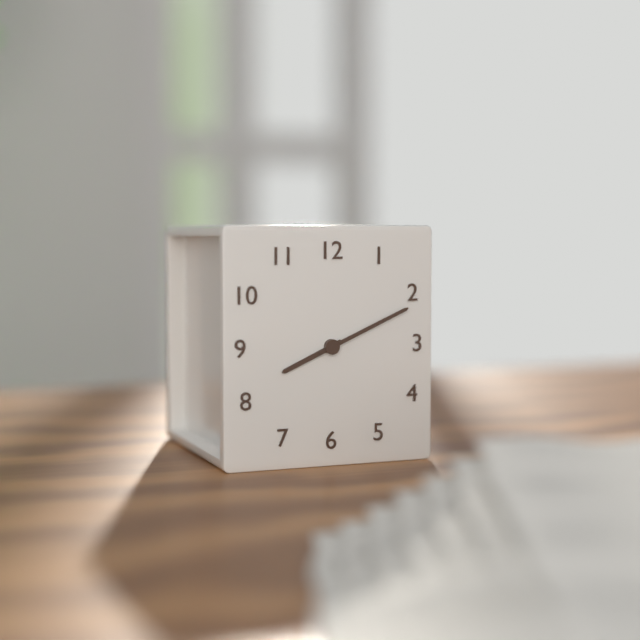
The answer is {"hour": 8, "minute": 11}
